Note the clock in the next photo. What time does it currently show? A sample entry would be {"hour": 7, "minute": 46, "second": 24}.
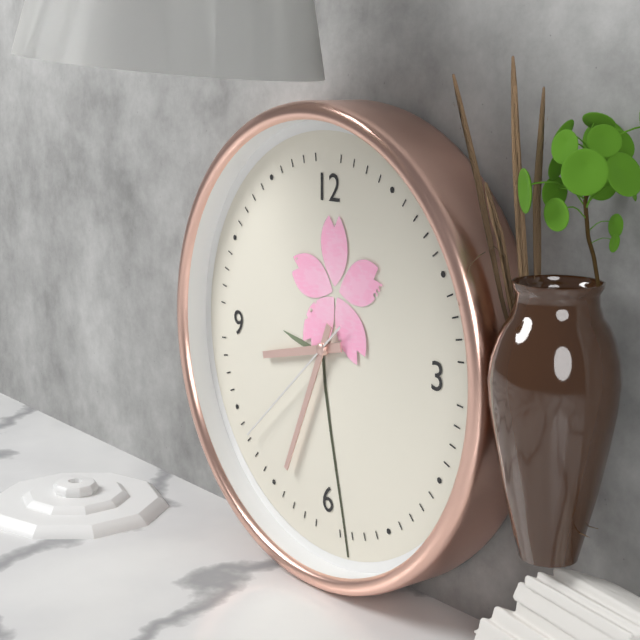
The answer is {"hour": 8, "minute": 34, "second": 38}
